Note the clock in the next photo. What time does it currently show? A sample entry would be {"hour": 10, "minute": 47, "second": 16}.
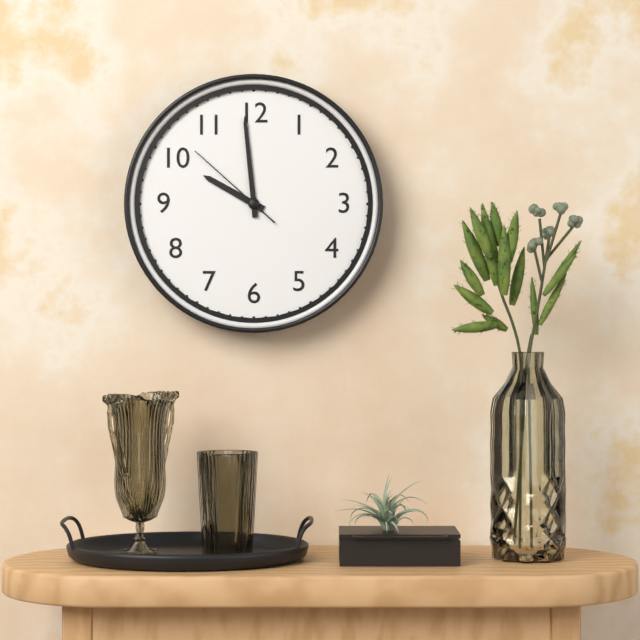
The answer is {"hour": 9, "minute": 59, "second": 52}
